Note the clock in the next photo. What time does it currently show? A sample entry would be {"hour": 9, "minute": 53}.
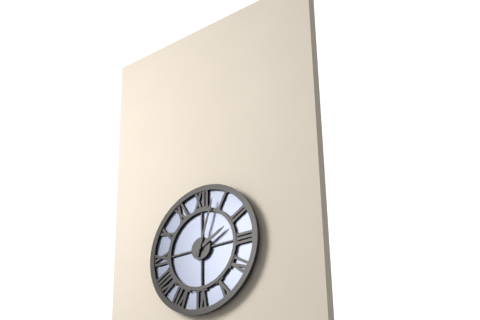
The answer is {"hour": 2, "minute": 3}
